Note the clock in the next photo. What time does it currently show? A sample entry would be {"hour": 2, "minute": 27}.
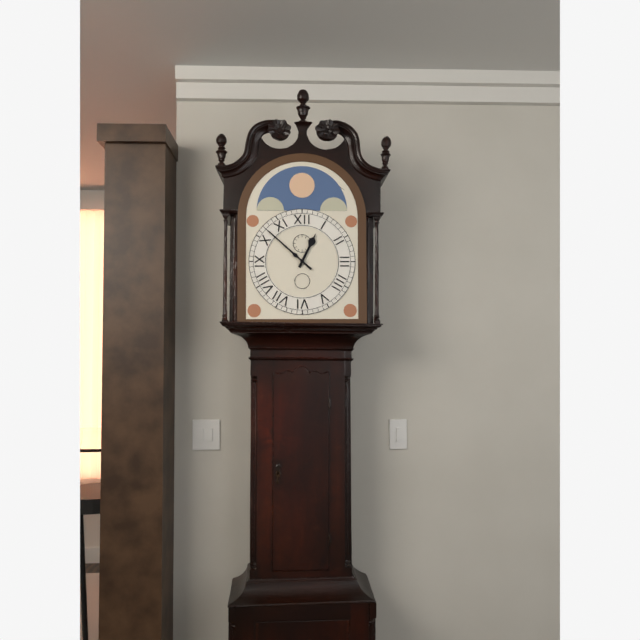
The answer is {"hour": 12, "minute": 52}
